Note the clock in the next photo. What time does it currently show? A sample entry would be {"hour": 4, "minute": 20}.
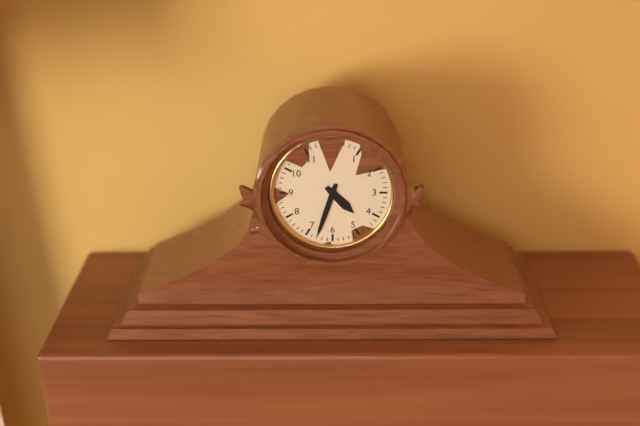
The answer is {"hour": 4, "minute": 33}
